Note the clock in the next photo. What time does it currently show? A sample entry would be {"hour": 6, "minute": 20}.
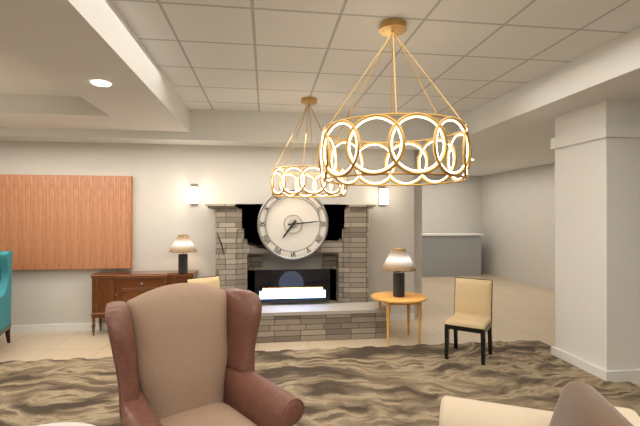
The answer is {"hour": 7, "minute": 14}
